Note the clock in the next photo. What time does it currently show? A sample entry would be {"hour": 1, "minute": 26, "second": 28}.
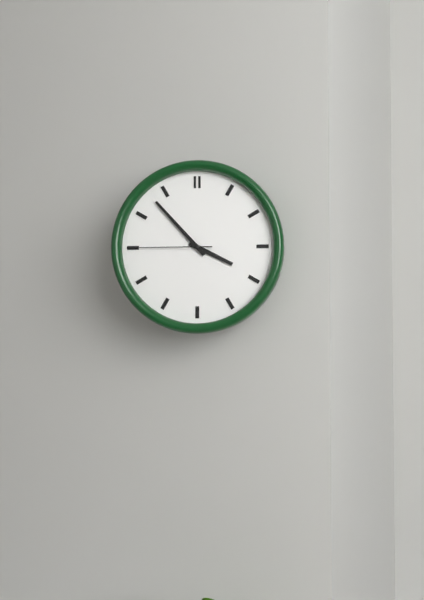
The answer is {"hour": 3, "minute": 53, "second": 45}
